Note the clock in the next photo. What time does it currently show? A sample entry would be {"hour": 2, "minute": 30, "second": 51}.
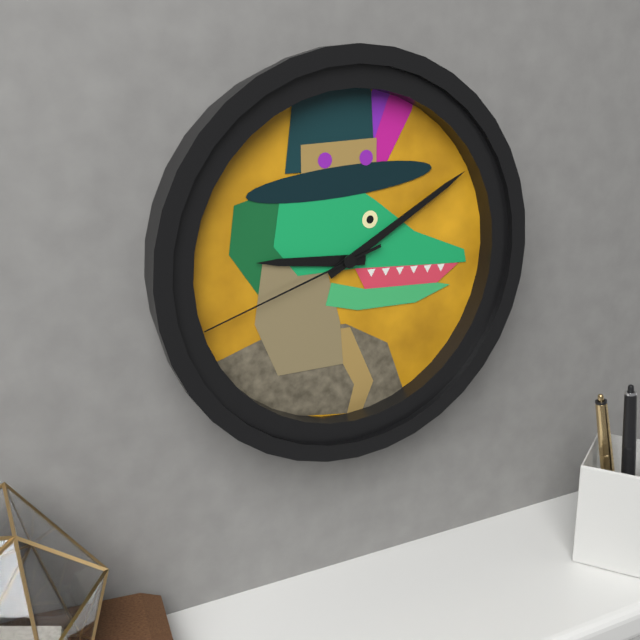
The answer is {"hour": 9, "minute": 10, "second": 42}
